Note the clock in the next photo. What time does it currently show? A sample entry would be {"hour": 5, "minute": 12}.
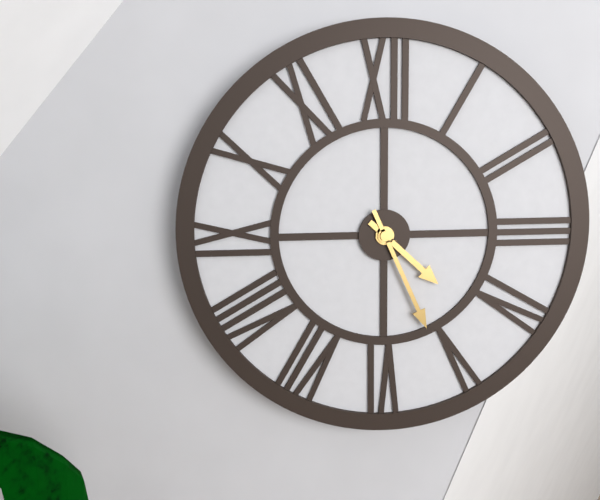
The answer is {"hour": 4, "minute": 26}
